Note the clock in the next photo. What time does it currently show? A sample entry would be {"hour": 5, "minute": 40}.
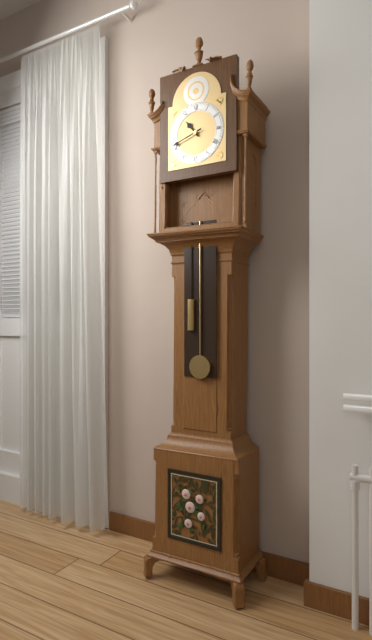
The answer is {"hour": 10, "minute": 42}
